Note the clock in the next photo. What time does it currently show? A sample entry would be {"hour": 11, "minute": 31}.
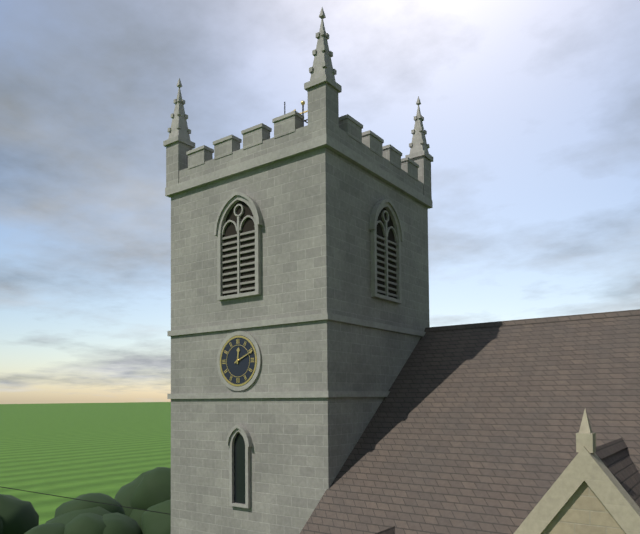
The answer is {"hour": 12, "minute": 11}
